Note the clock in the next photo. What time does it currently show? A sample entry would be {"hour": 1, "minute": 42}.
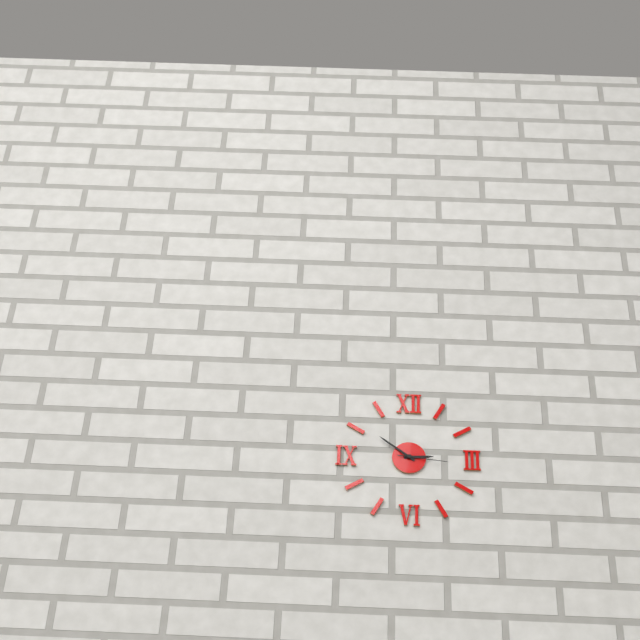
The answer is {"hour": 2, "minute": 51}
